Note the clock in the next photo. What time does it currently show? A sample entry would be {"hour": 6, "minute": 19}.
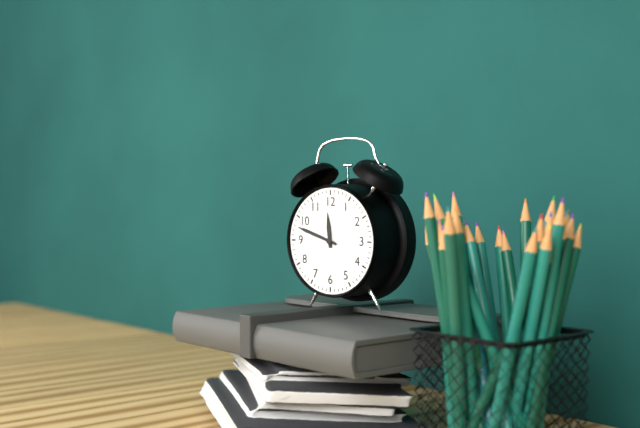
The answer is {"hour": 11, "minute": 48}
